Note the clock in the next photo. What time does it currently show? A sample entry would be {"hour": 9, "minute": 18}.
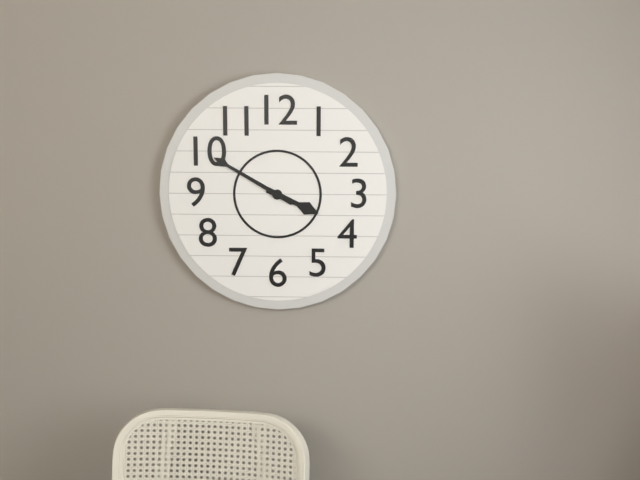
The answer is {"hour": 3, "minute": 50}
